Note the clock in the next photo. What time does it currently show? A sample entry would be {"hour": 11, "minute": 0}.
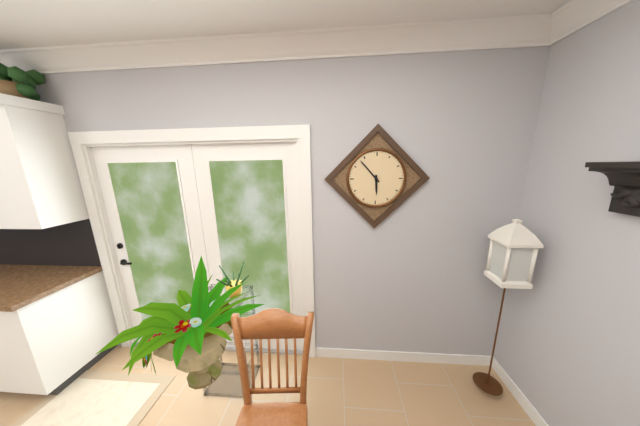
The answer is {"hour": 5, "minute": 53}
